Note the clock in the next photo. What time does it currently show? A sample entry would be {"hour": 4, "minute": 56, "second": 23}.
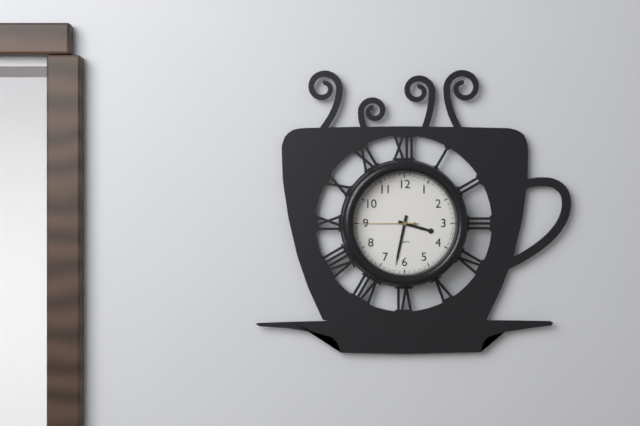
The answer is {"hour": 3, "minute": 32, "second": 45}
